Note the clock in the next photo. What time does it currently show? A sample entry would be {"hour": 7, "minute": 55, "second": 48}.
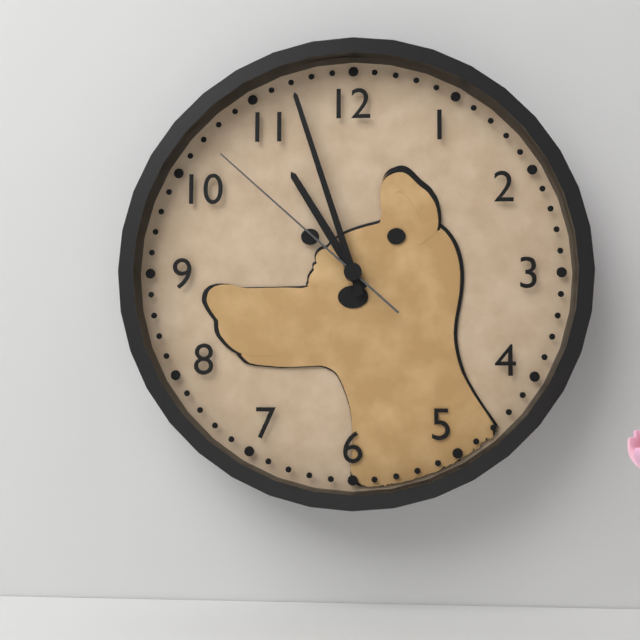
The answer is {"hour": 10, "minute": 57, "second": 52}
